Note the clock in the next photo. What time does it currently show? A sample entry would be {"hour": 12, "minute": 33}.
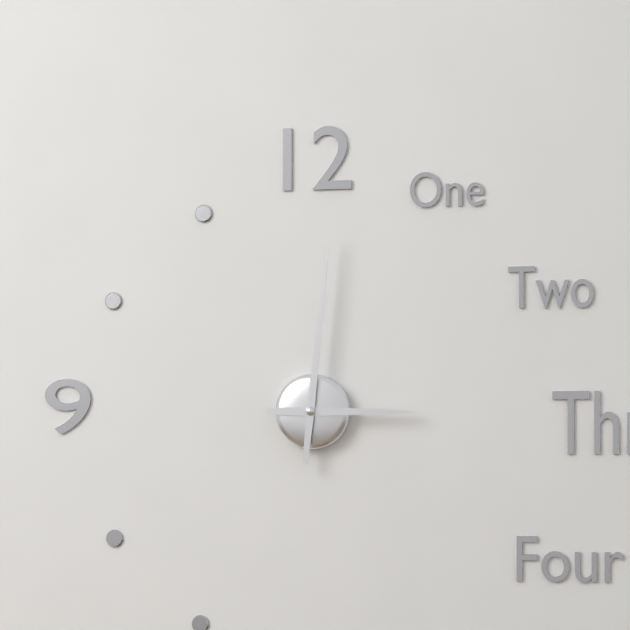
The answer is {"hour": 3, "minute": 1}
